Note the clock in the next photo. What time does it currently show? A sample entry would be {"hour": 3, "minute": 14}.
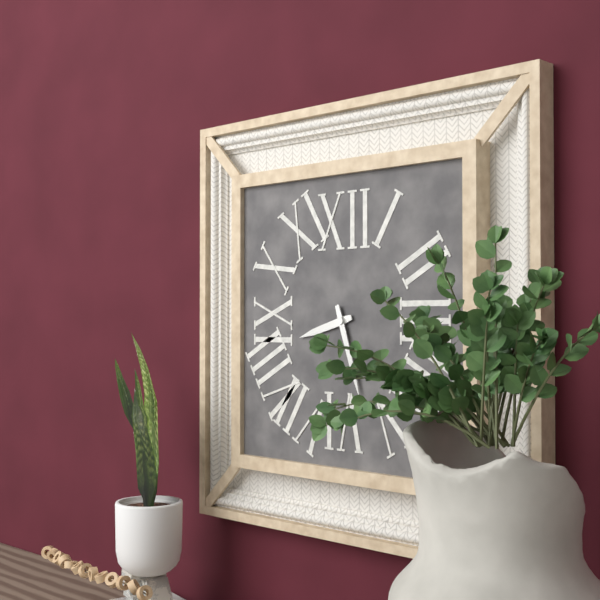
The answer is {"hour": 8, "minute": 27}
